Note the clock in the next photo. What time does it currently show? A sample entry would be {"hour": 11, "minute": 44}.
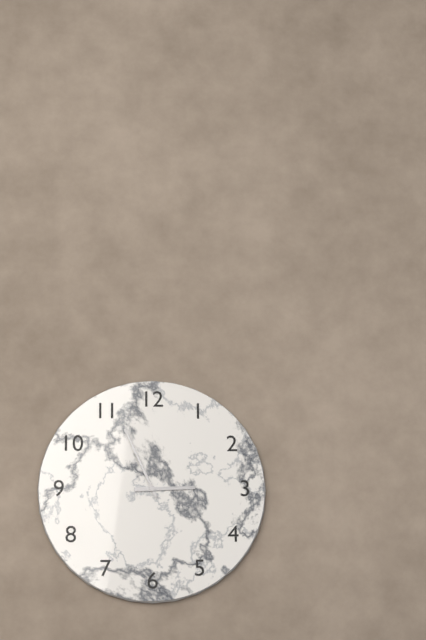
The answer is {"hour": 2, "minute": 56}
